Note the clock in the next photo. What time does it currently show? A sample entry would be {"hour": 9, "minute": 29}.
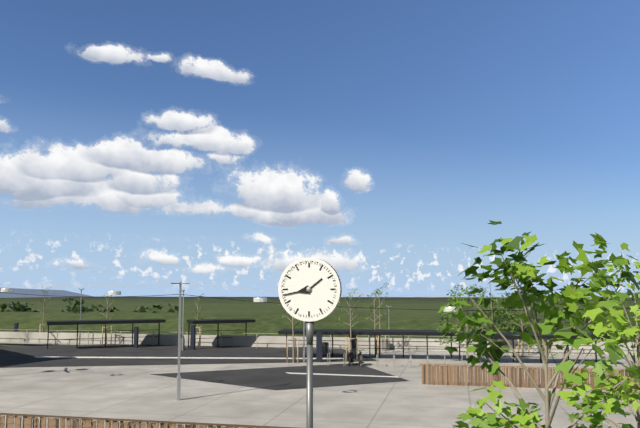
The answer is {"hour": 1, "minute": 43}
